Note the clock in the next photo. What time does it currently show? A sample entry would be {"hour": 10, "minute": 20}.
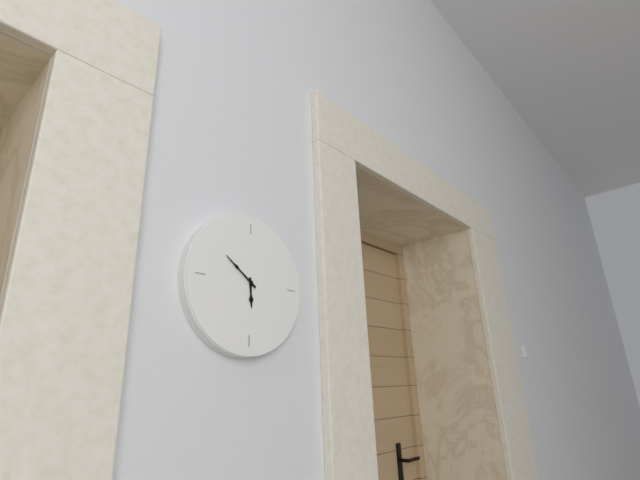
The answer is {"hour": 5, "minute": 51}
